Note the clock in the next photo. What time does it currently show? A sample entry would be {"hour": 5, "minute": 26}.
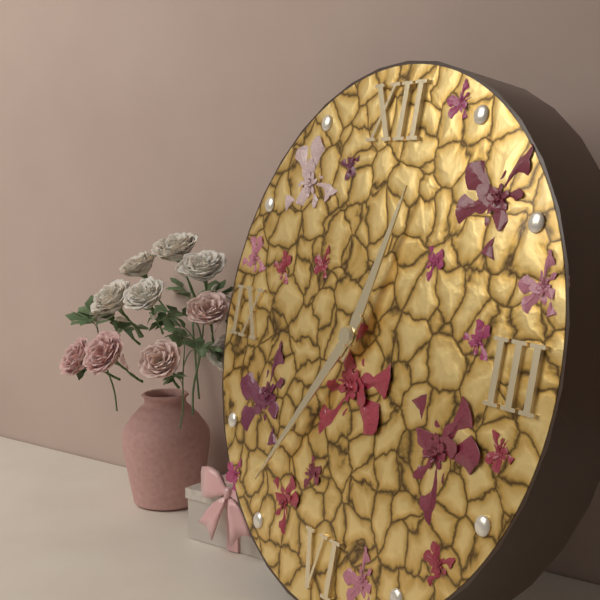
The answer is {"hour": 12, "minute": 36}
